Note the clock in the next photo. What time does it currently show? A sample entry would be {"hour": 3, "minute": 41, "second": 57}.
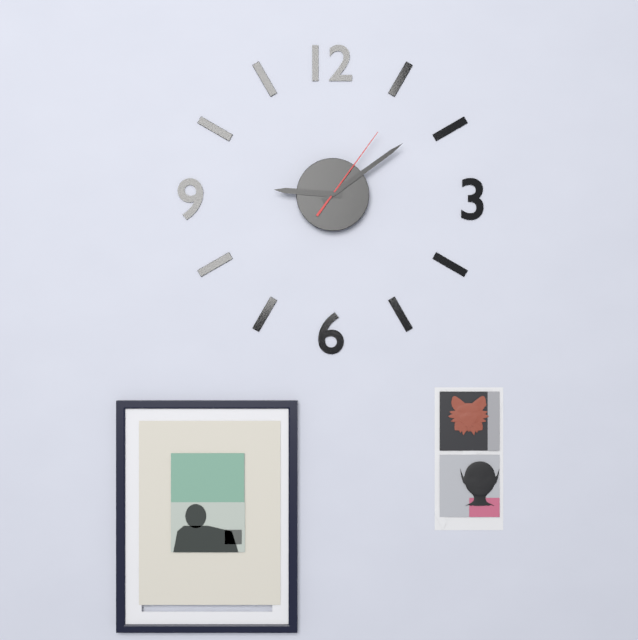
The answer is {"hour": 9, "minute": 9, "second": 6}
